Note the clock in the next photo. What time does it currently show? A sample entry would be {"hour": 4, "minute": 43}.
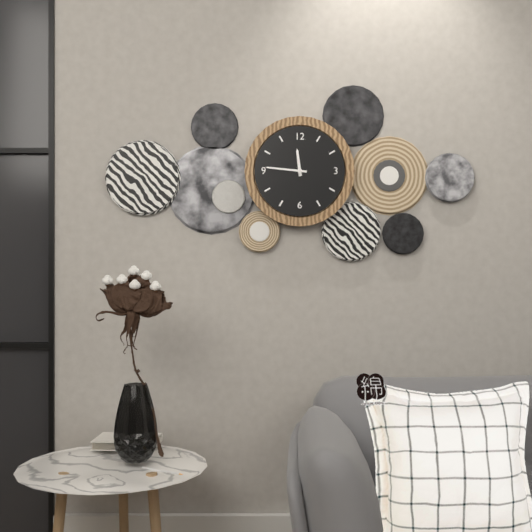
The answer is {"hour": 11, "minute": 46}
